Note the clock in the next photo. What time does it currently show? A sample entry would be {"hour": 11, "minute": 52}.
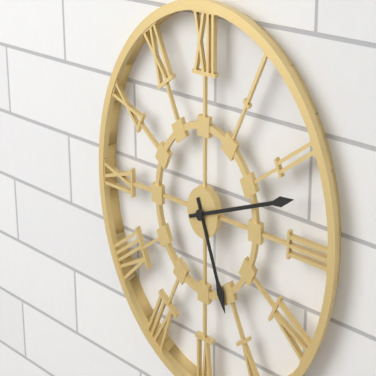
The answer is {"hour": 5, "minute": 12}
